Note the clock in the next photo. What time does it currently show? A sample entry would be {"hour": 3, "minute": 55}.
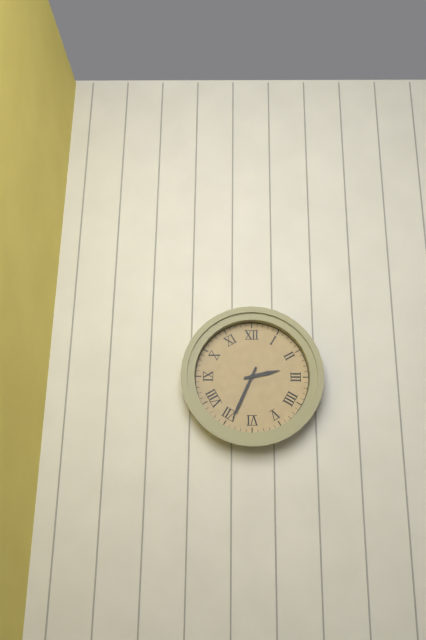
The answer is {"hour": 2, "minute": 34}
